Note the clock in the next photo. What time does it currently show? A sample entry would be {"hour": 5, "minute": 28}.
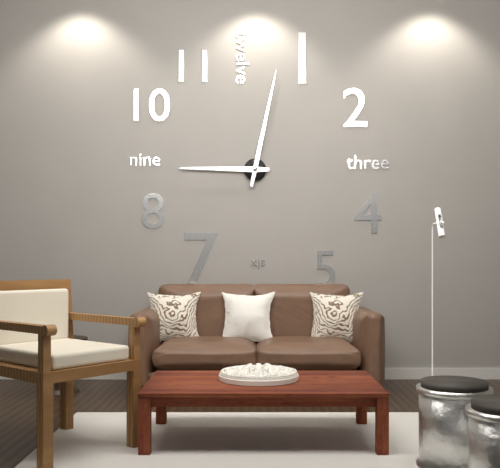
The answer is {"hour": 9, "minute": 2}
